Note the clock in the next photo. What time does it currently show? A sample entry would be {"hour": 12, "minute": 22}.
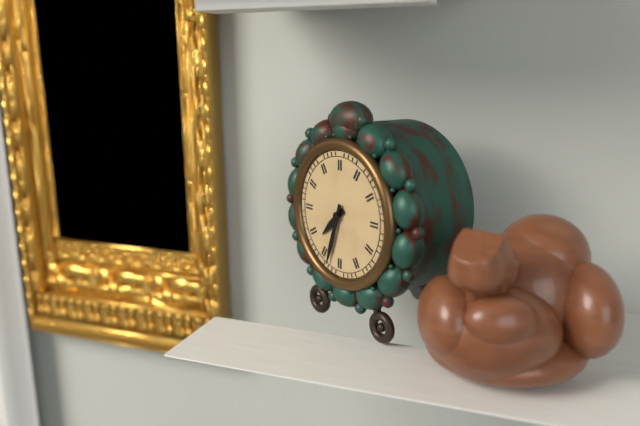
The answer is {"hour": 7, "minute": 33}
